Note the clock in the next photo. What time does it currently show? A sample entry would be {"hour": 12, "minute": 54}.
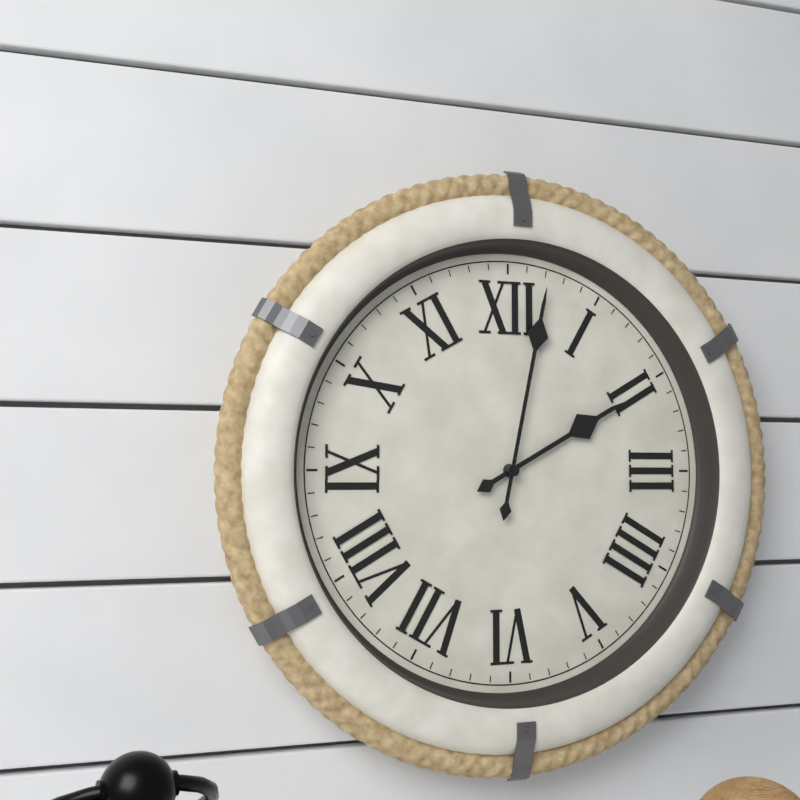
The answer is {"hour": 2, "minute": 2}
